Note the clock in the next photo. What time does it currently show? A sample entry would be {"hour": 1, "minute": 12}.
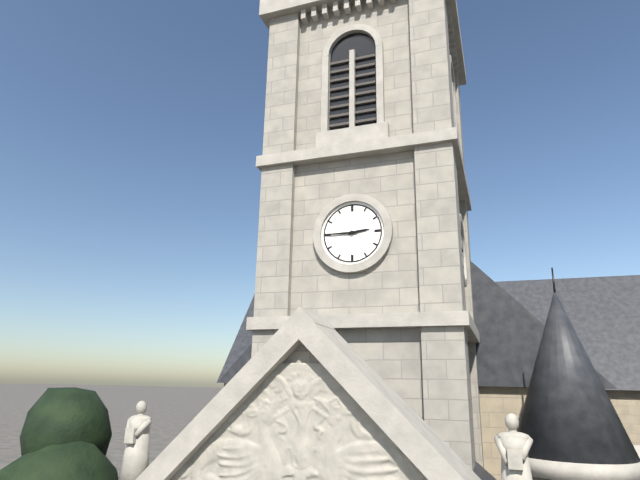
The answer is {"hour": 2, "minute": 45}
